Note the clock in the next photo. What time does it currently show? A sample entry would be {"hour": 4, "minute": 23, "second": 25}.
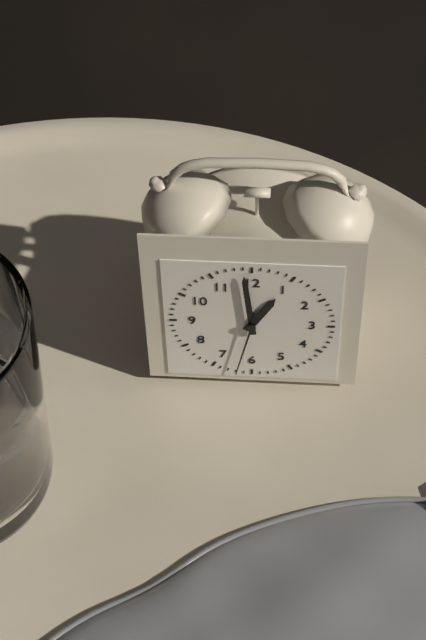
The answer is {"hour": 12, "minute": 59, "second": 32}
